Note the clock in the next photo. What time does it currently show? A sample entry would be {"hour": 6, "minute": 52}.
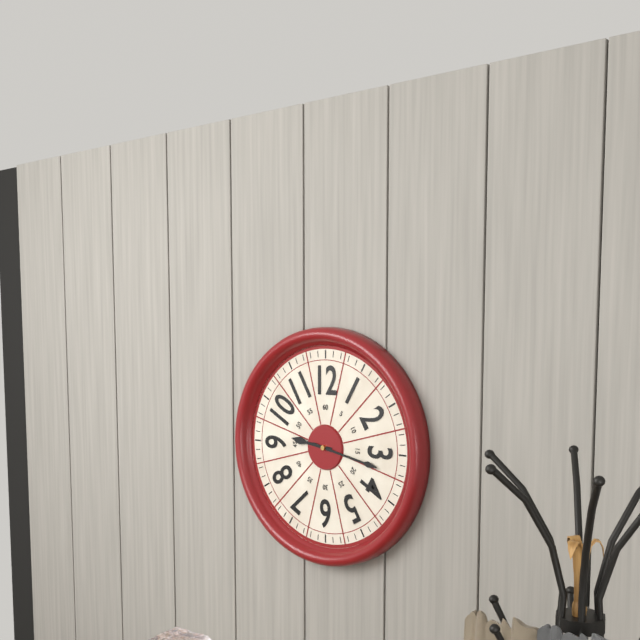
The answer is {"hour": 9, "minute": 17}
